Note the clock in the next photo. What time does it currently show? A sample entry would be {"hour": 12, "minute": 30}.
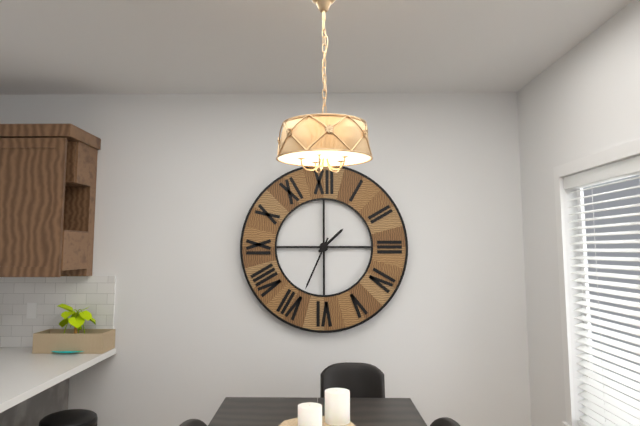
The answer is {"hour": 1, "minute": 34}
